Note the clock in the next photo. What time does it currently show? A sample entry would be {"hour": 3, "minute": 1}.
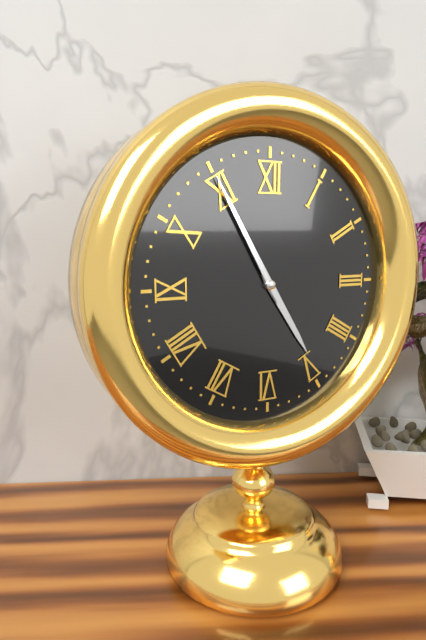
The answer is {"hour": 4, "minute": 55}
